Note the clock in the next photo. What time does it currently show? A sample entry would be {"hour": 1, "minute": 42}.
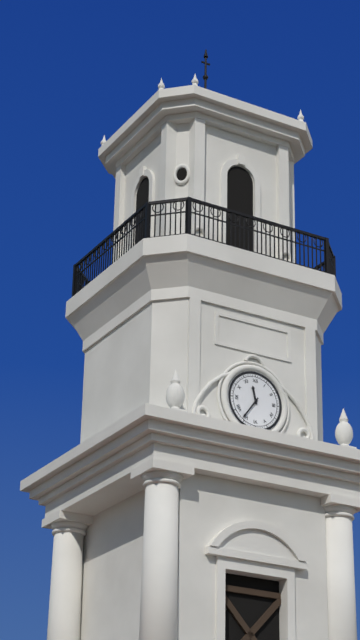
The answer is {"hour": 11, "minute": 36}
